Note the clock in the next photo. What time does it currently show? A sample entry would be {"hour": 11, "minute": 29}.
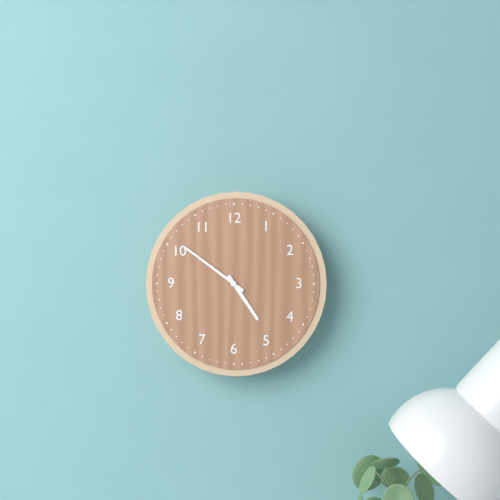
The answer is {"hour": 4, "minute": 51}
